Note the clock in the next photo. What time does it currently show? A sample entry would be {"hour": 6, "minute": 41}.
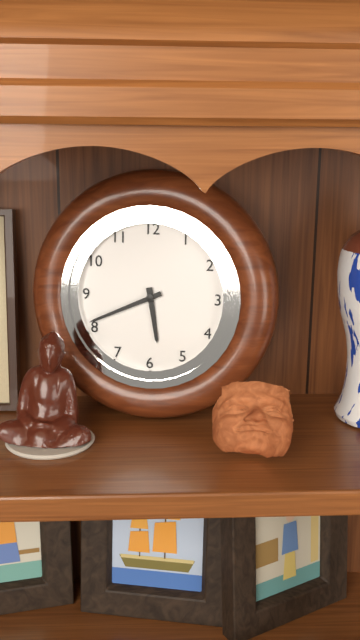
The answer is {"hour": 5, "minute": 41}
